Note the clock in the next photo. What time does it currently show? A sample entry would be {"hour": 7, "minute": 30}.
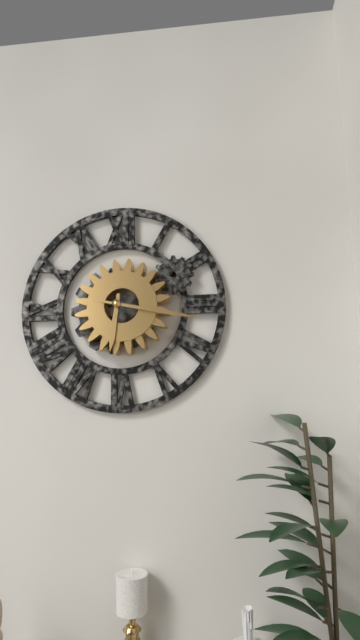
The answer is {"hour": 6, "minute": 17}
